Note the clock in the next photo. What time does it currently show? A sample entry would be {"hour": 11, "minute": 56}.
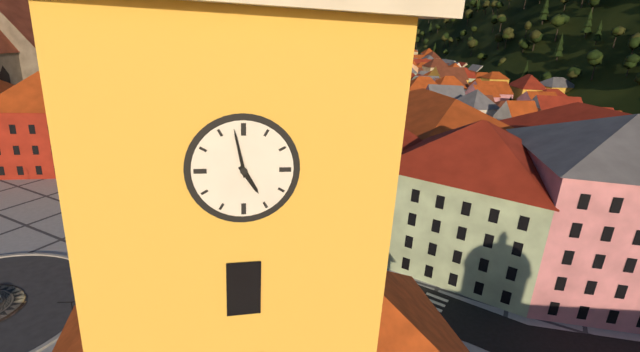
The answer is {"hour": 4, "minute": 58}
